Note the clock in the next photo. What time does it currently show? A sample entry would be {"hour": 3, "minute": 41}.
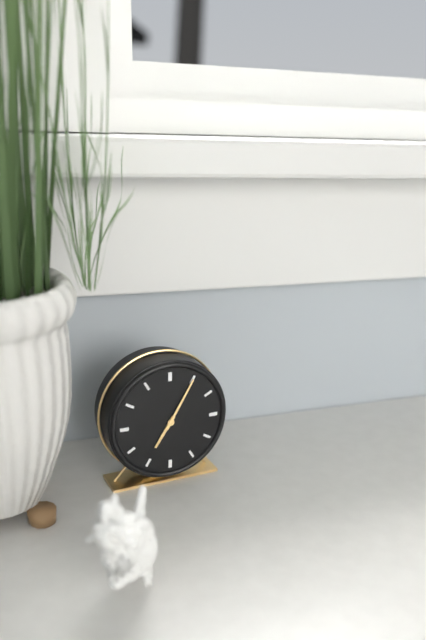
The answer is {"hour": 7, "minute": 5}
